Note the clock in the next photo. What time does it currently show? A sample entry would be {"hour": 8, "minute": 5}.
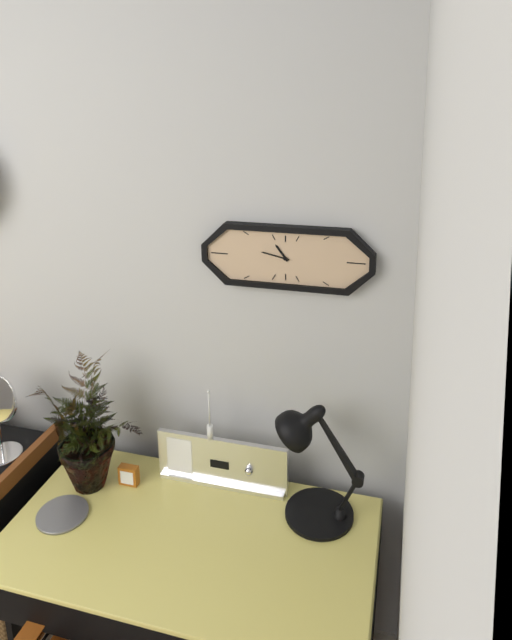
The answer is {"hour": 10, "minute": 47}
